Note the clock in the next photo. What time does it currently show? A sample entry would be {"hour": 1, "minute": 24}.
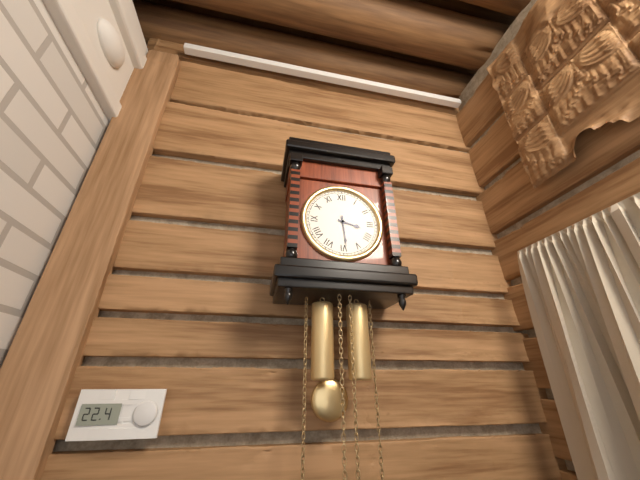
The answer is {"hour": 3, "minute": 29}
